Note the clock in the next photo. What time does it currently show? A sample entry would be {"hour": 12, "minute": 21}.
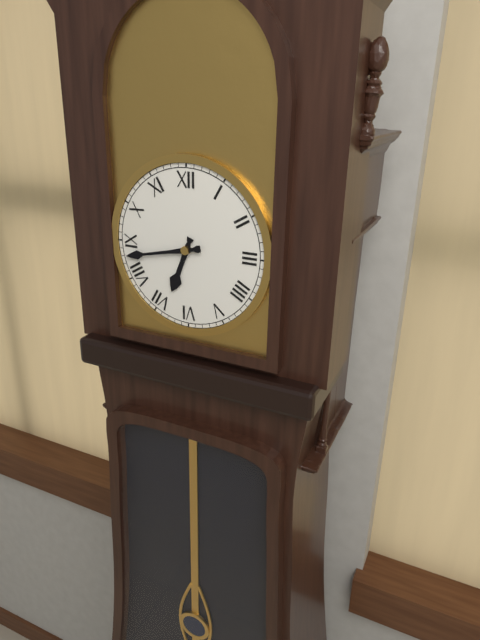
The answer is {"hour": 6, "minute": 43}
